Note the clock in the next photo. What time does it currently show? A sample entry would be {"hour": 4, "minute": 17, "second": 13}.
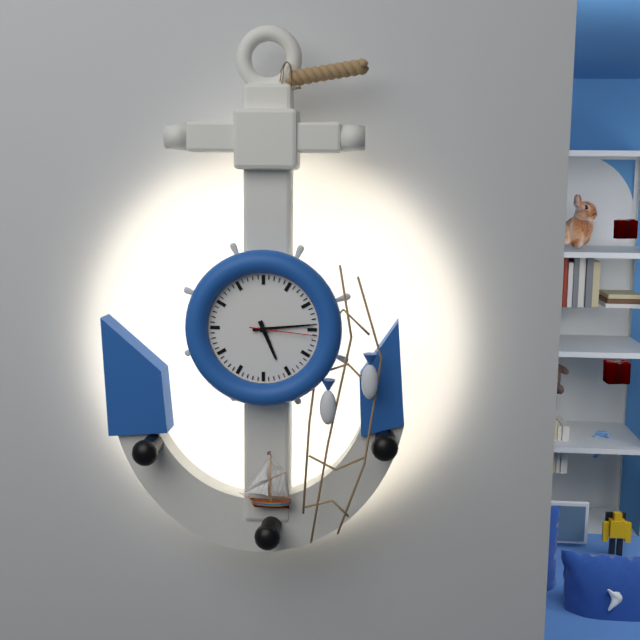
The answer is {"hour": 5, "minute": 14, "second": 16}
